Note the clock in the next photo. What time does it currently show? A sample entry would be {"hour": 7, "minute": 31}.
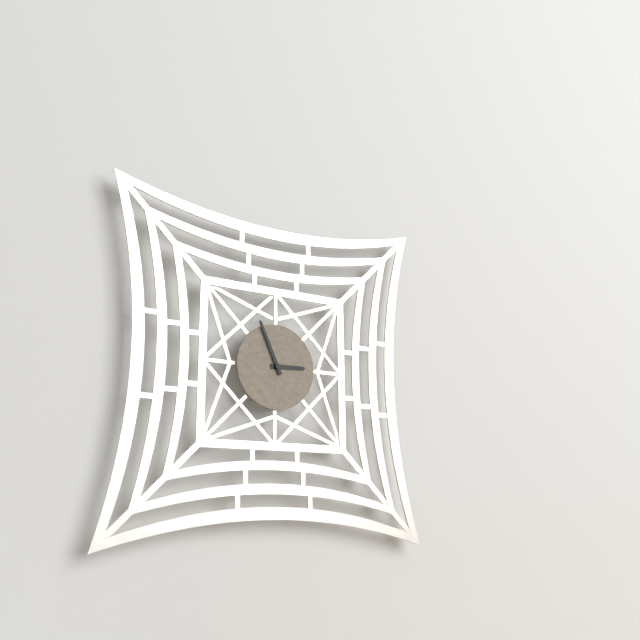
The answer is {"hour": 2, "minute": 56}
